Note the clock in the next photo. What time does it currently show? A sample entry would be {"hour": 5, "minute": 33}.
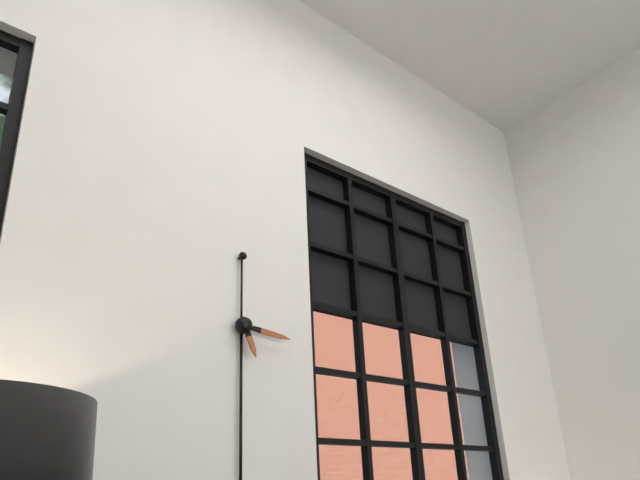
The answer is {"hour": 5, "minute": 16}
